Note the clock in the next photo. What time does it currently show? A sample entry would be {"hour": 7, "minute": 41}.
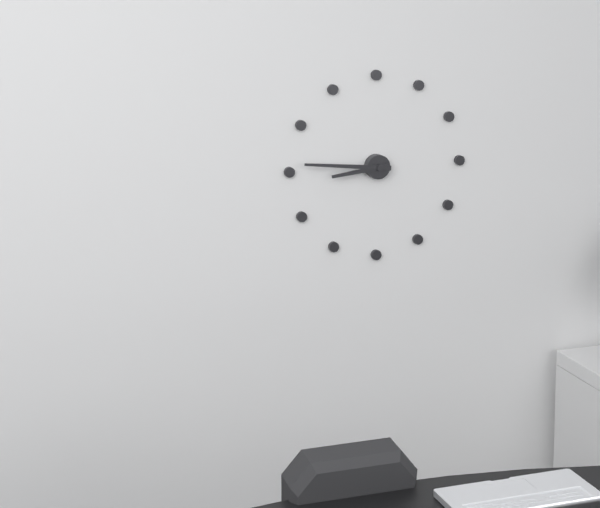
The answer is {"hour": 8, "minute": 46}
